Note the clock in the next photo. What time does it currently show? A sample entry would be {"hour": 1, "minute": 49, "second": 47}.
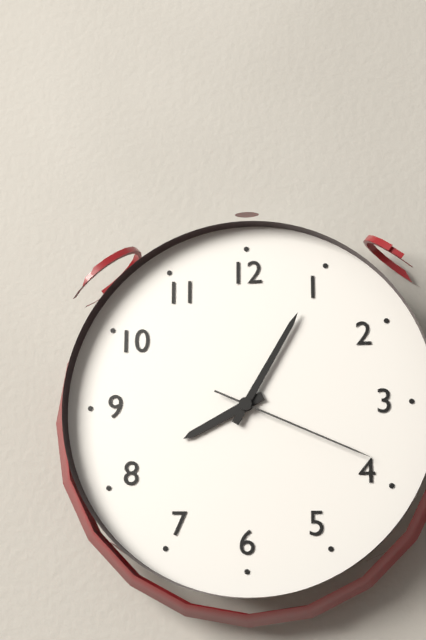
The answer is {"hour": 8, "minute": 5, "second": 19}
